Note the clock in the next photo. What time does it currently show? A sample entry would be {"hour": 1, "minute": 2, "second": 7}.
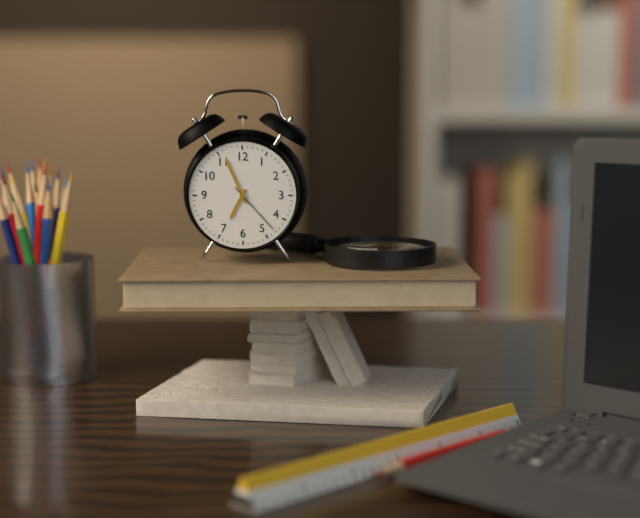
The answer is {"hour": 6, "minute": 56, "second": 23}
